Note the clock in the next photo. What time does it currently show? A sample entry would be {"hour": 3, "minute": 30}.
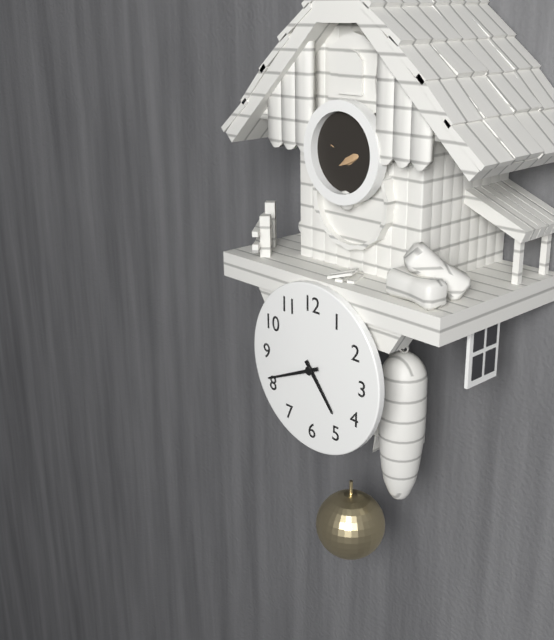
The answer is {"hour": 4, "minute": 41}
